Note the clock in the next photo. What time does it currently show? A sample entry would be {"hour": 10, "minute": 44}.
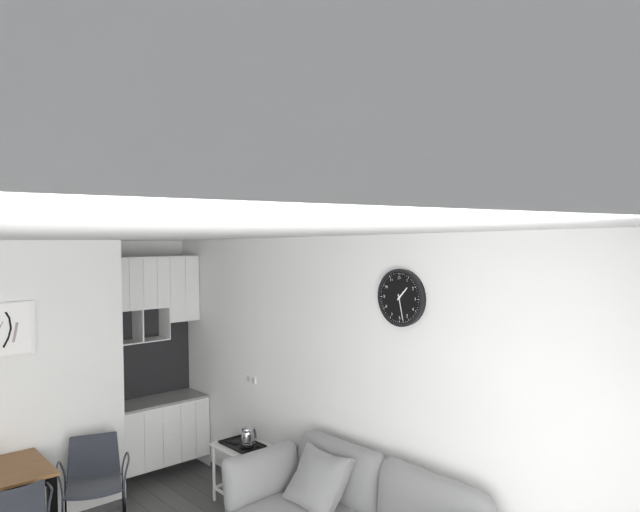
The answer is {"hour": 1, "minute": 28}
